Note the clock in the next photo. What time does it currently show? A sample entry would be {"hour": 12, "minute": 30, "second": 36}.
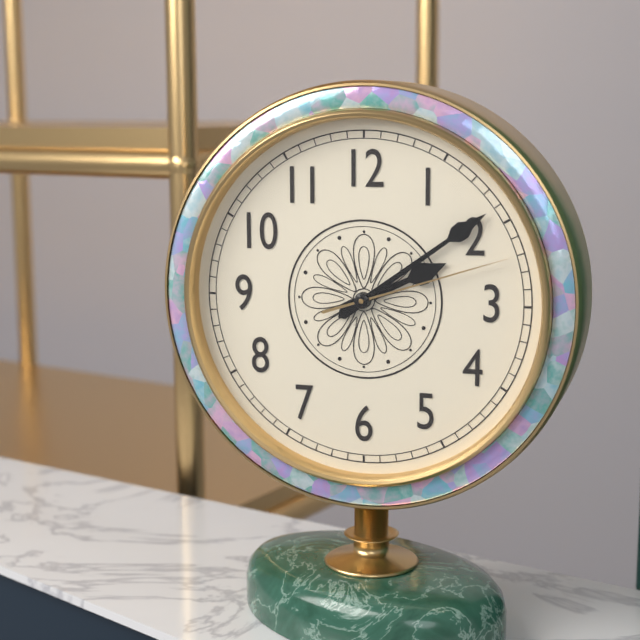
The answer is {"hour": 2, "minute": 9, "second": 12}
